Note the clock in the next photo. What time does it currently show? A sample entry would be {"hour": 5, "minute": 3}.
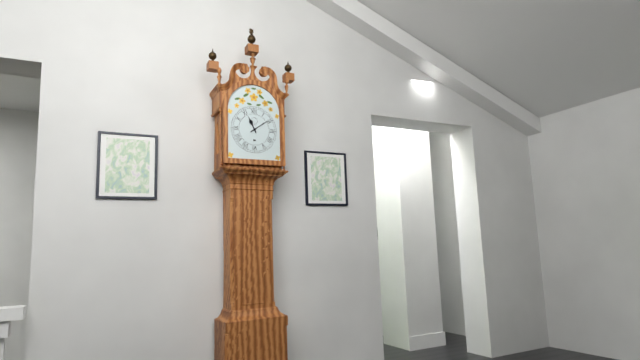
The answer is {"hour": 11, "minute": 9}
